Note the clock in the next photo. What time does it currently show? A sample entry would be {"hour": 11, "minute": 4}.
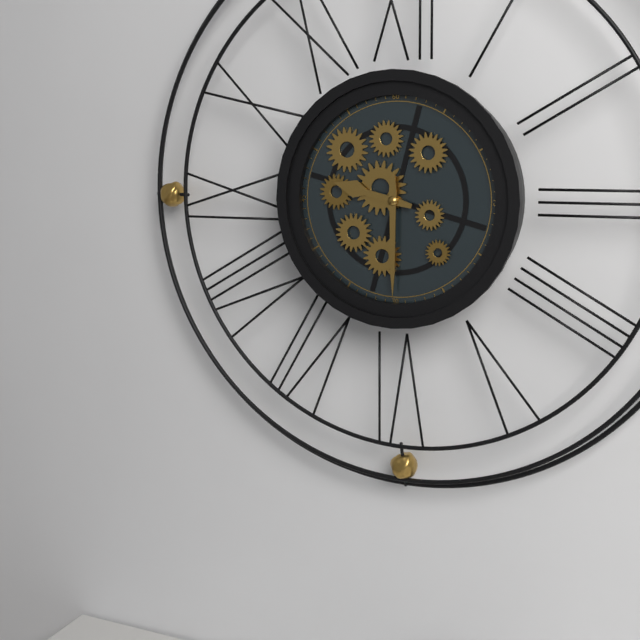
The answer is {"hour": 9, "minute": 30}
